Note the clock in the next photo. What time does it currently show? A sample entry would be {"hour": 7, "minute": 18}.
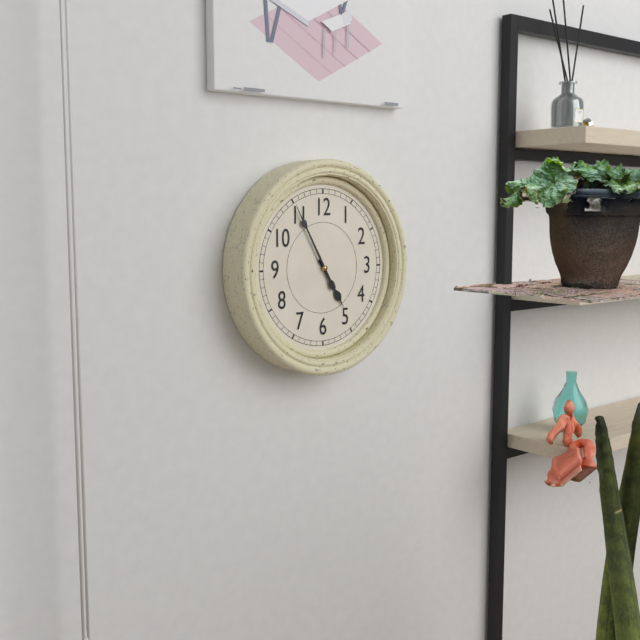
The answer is {"hour": 4, "minute": 55}
